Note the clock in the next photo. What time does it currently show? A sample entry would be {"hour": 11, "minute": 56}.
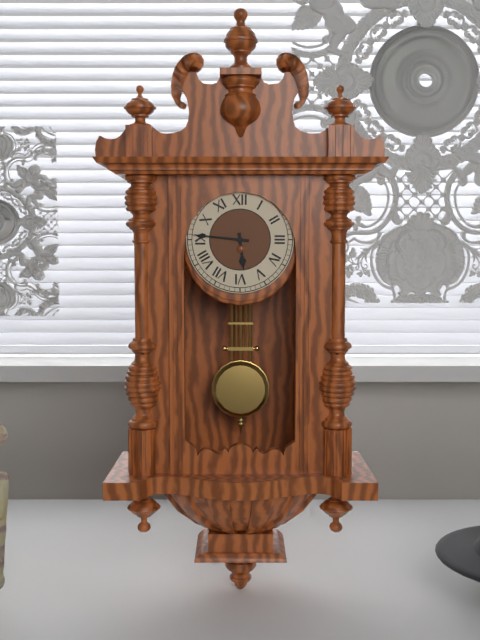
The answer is {"hour": 5, "minute": 46}
